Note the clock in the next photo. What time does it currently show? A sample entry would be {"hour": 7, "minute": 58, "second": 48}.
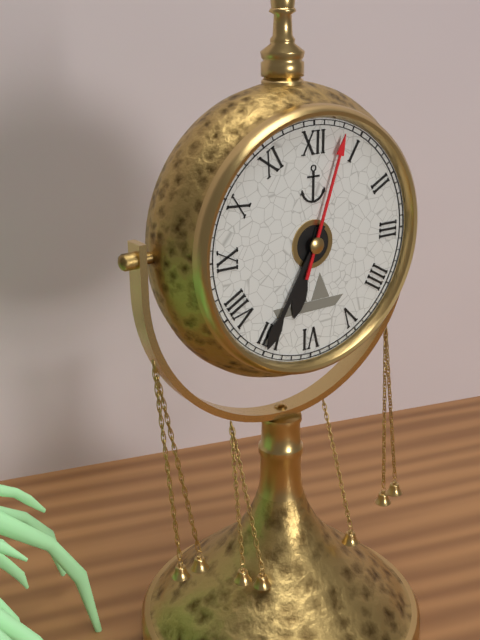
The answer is {"hour": 6, "minute": 35, "second": 3}
